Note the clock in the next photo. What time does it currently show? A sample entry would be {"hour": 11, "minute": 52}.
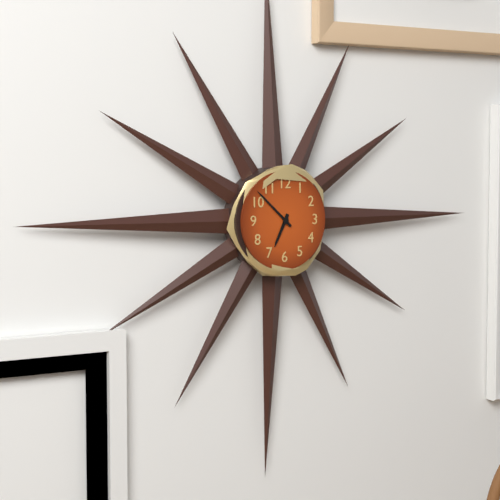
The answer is {"hour": 6, "minute": 52}
